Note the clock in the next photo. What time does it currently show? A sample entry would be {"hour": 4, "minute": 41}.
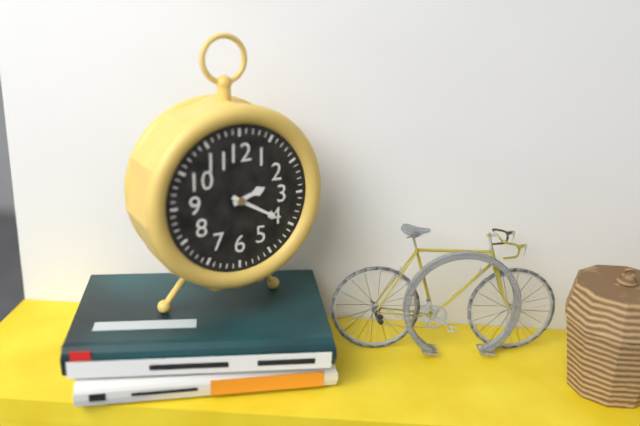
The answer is {"hour": 2, "minute": 20}
